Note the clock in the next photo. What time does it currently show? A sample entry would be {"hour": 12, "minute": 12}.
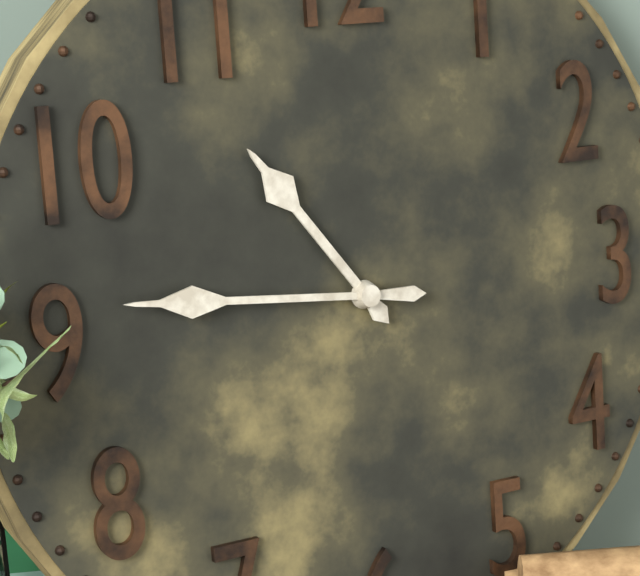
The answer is {"hour": 10, "minute": 46}
